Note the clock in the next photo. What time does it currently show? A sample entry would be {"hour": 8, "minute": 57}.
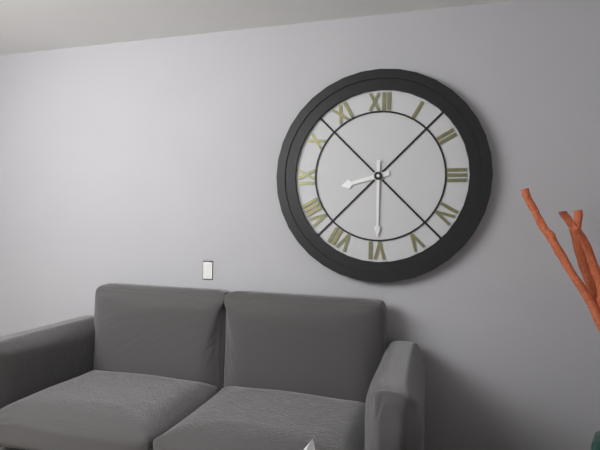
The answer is {"hour": 8, "minute": 30}
